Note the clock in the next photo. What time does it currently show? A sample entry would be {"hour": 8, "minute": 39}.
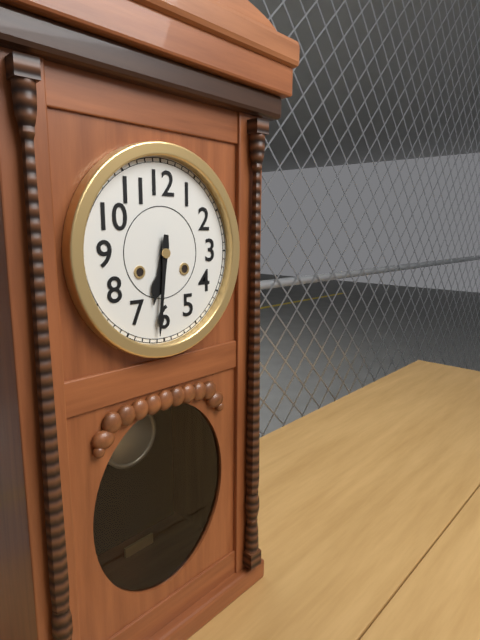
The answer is {"hour": 6, "minute": 31}
